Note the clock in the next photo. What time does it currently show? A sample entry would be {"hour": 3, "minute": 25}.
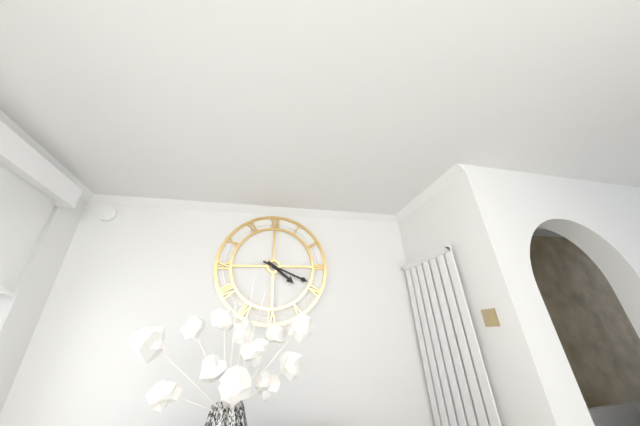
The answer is {"hour": 4, "minute": 19}
